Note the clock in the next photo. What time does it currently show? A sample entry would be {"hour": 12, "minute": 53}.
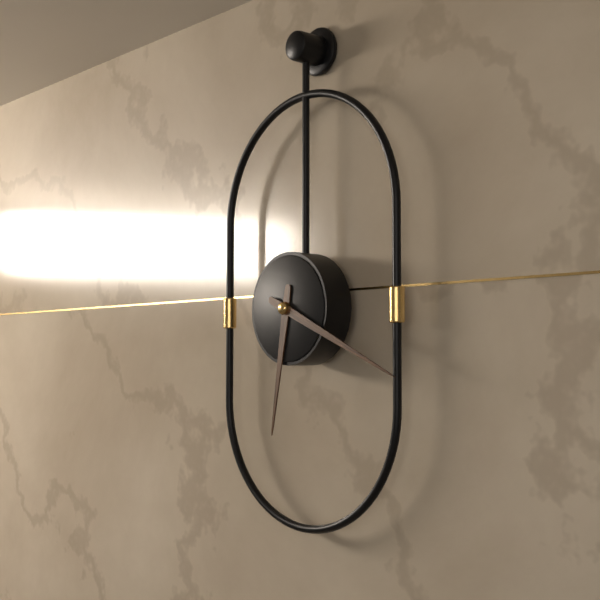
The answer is {"hour": 6, "minute": 19}
